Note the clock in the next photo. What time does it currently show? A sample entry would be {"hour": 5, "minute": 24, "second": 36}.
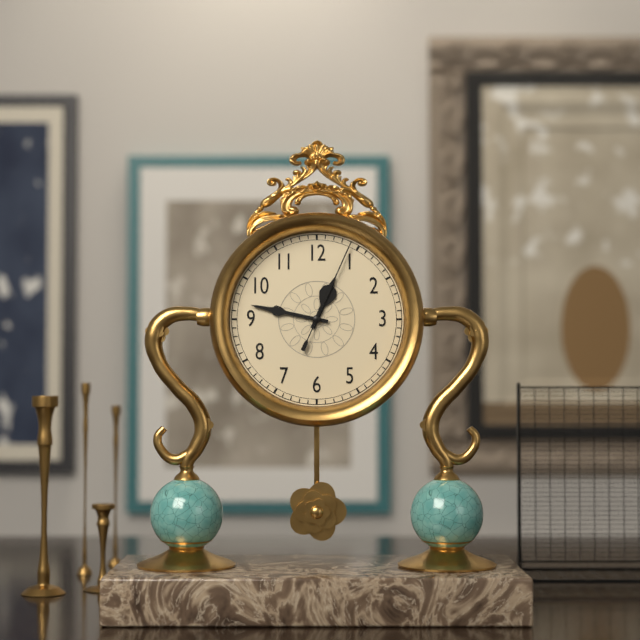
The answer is {"hour": 12, "minute": 47, "second": 4}
